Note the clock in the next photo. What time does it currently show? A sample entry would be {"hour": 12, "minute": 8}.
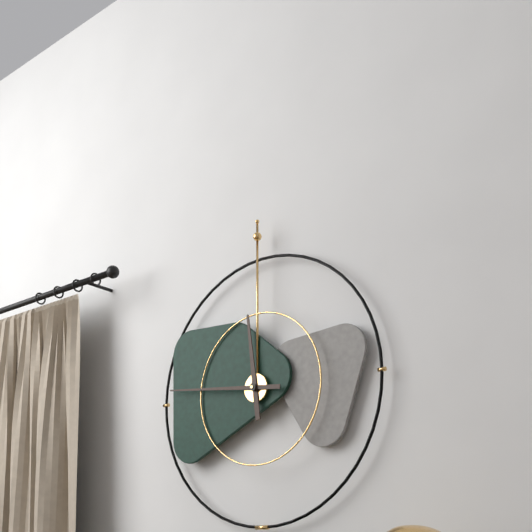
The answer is {"hour": 11, "minute": 46}
